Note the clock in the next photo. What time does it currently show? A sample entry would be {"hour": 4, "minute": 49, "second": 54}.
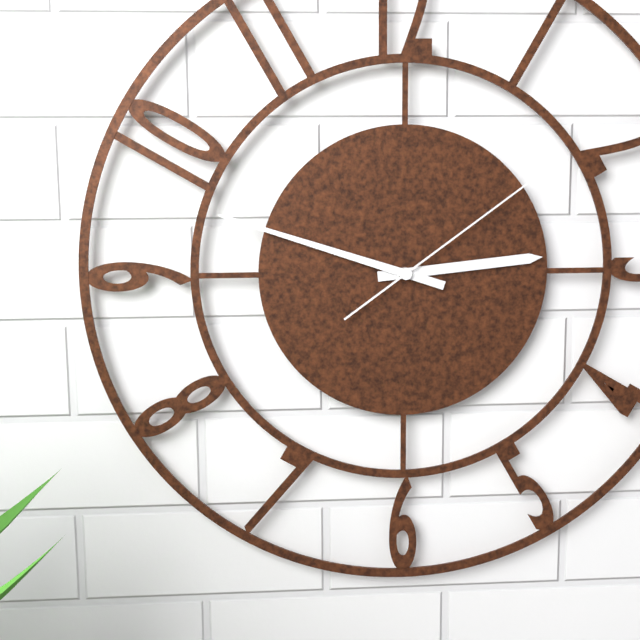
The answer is {"hour": 2, "minute": 48, "second": 9}
